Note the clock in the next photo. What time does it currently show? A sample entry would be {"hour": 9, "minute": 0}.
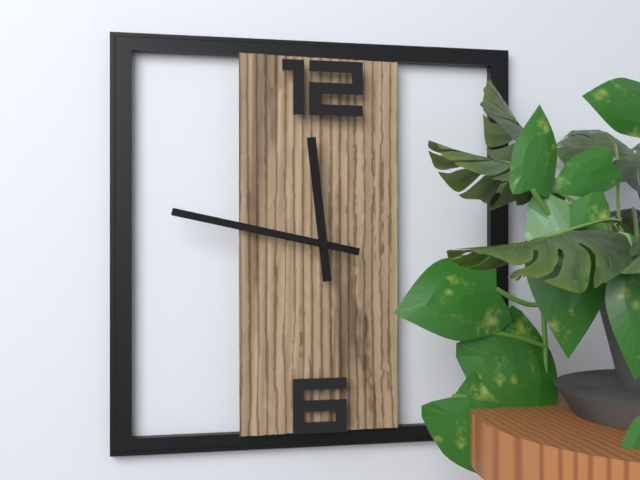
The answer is {"hour": 11, "minute": 47}
